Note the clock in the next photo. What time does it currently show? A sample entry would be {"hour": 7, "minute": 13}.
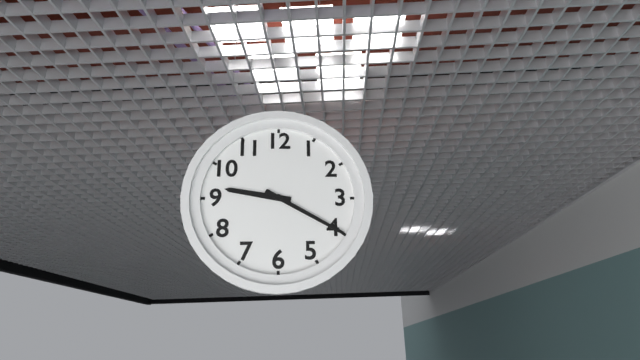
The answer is {"hour": 9, "minute": 20}
